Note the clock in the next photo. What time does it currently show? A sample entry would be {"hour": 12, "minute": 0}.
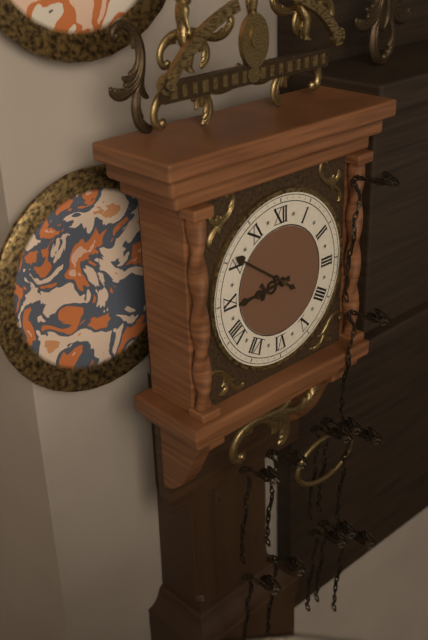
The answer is {"hour": 8, "minute": 51}
